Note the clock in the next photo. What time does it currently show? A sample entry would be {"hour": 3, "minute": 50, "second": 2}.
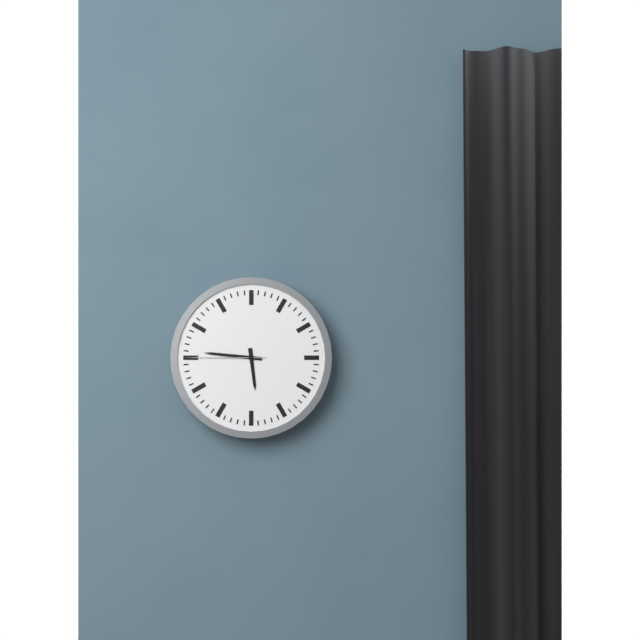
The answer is {"hour": 5, "minute": 46, "second": 45}
